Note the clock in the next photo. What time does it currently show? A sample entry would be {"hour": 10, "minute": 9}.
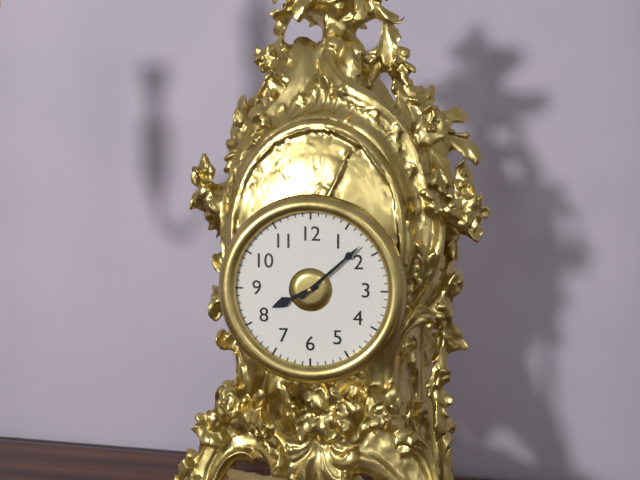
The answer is {"hour": 8, "minute": 8}
